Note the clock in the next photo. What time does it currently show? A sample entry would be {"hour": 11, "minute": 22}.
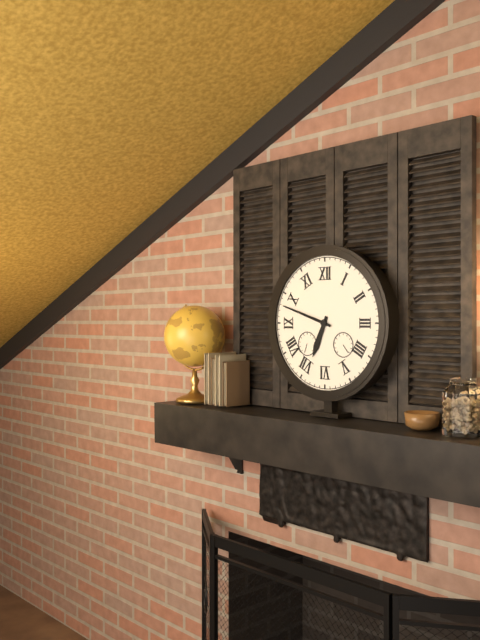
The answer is {"hour": 6, "minute": 48}
